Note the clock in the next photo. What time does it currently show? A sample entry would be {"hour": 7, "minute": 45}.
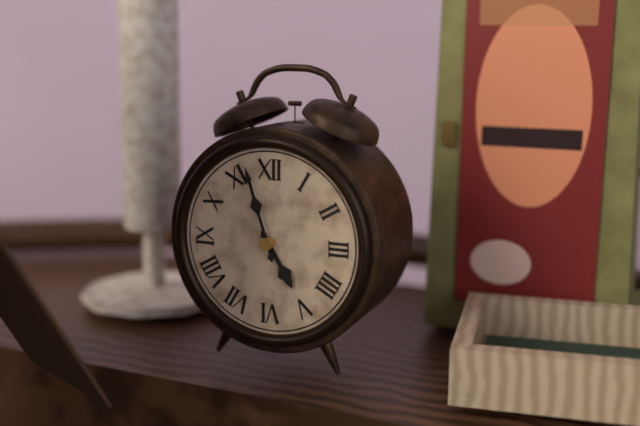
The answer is {"hour": 4, "minute": 57}
